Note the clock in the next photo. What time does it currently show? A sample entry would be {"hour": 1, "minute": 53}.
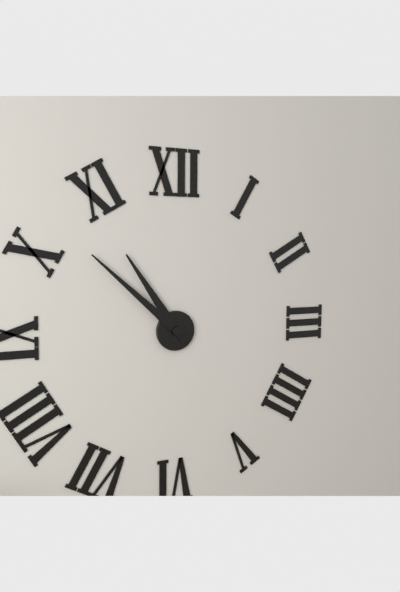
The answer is {"hour": 10, "minute": 52}
